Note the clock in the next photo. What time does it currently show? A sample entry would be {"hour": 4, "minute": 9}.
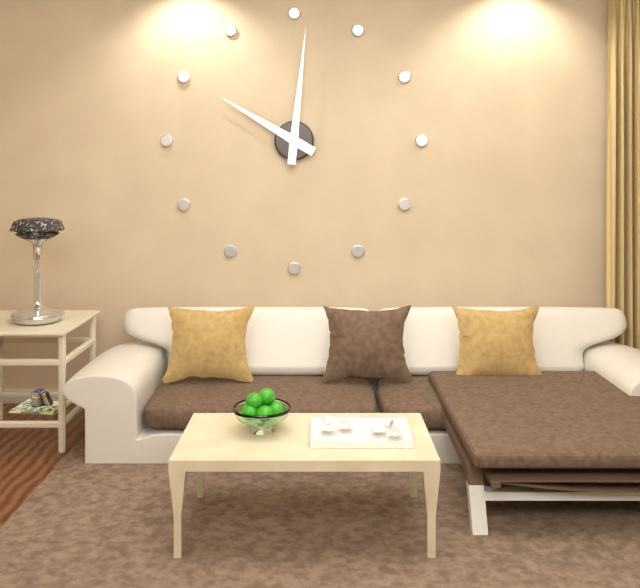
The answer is {"hour": 10, "minute": 1}
